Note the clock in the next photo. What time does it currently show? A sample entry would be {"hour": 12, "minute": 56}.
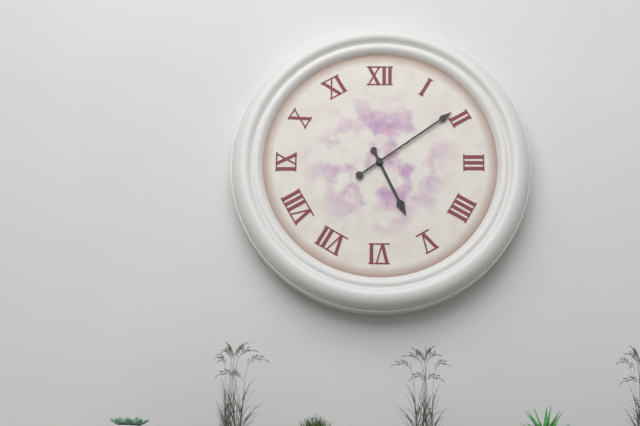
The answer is {"hour": 5, "minute": 9}
